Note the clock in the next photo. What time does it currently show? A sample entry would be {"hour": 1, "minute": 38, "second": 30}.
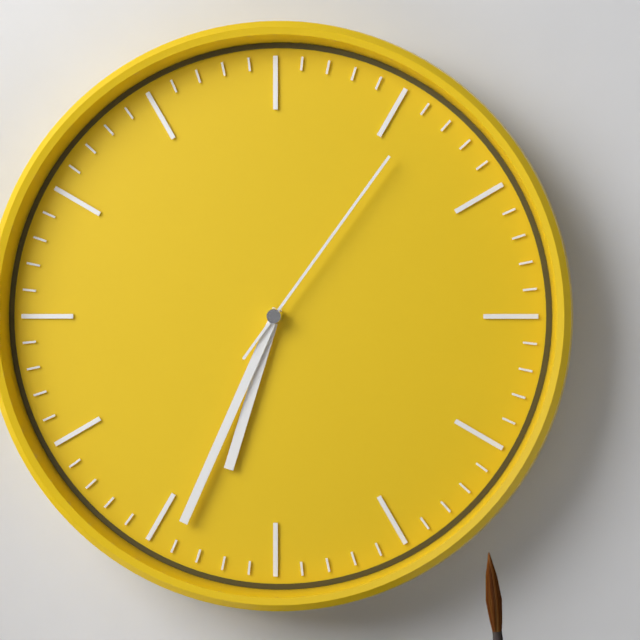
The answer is {"hour": 6, "minute": 34, "second": 6}
